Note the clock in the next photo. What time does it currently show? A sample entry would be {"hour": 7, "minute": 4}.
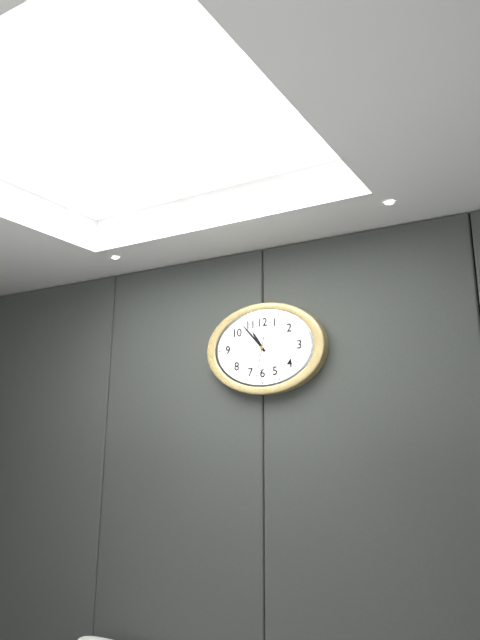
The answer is {"hour": 10, "minute": 53}
